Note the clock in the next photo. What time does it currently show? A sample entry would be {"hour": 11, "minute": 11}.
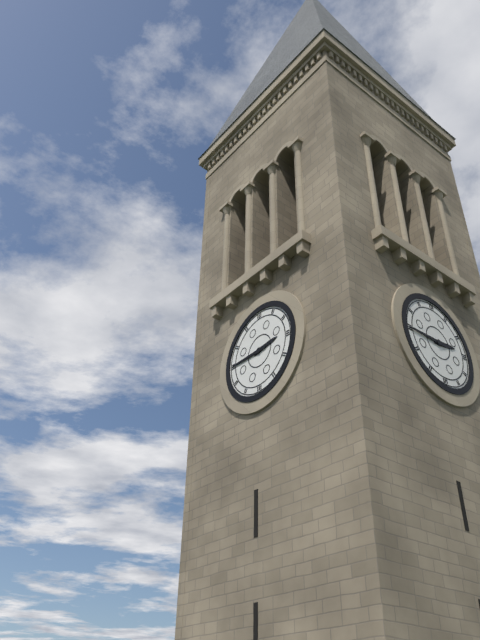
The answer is {"hour": 2, "minute": 45}
